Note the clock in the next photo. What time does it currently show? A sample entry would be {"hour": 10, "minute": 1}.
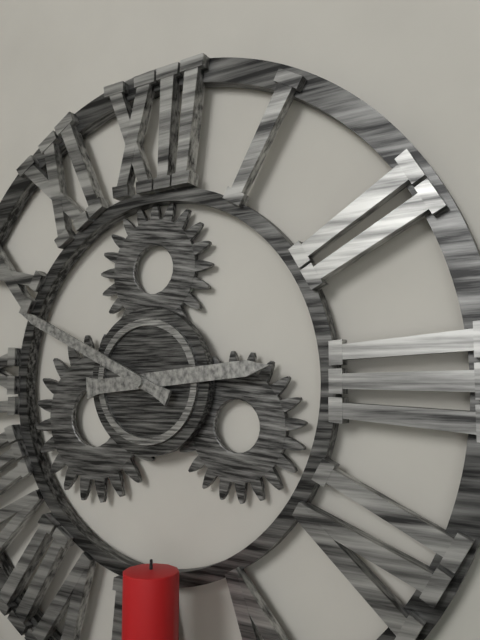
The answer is {"hour": 2, "minute": 49}
